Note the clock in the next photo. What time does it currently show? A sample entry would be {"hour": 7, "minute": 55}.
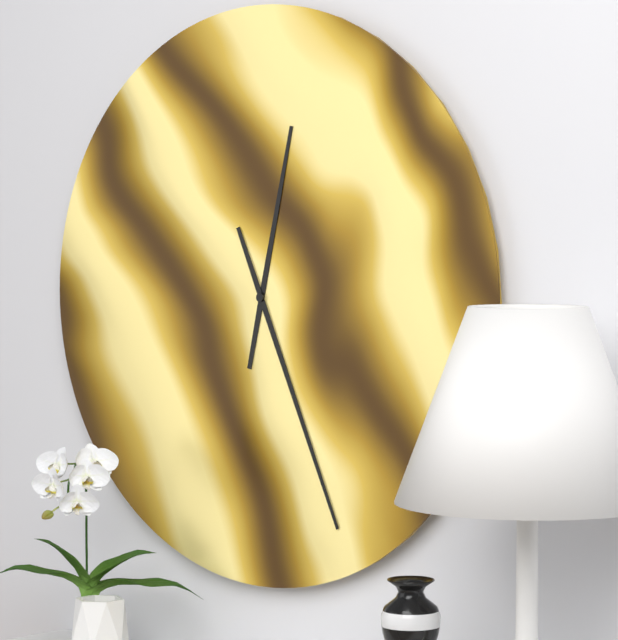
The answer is {"hour": 12, "minute": 26}
